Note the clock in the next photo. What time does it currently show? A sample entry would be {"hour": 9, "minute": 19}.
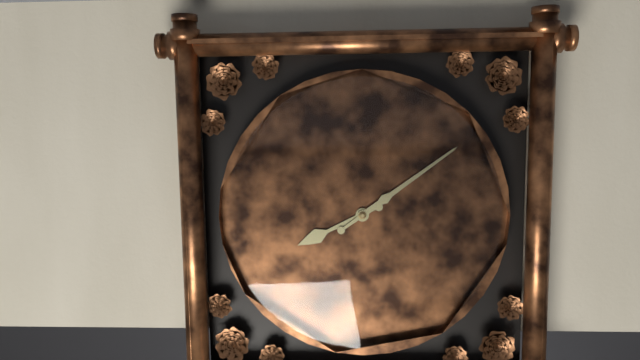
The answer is {"hour": 8, "minute": 9}
